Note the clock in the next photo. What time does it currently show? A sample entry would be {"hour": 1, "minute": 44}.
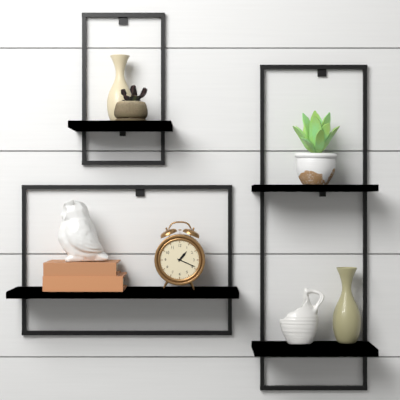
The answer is {"hour": 1, "minute": 19}
